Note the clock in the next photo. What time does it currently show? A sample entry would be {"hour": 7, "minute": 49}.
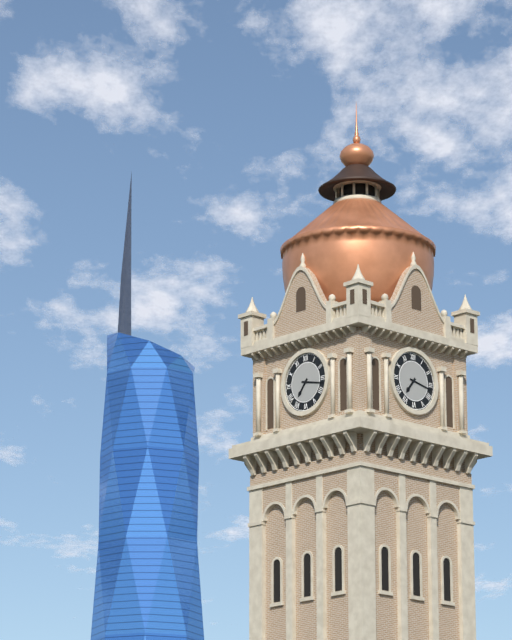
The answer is {"hour": 7, "minute": 17}
